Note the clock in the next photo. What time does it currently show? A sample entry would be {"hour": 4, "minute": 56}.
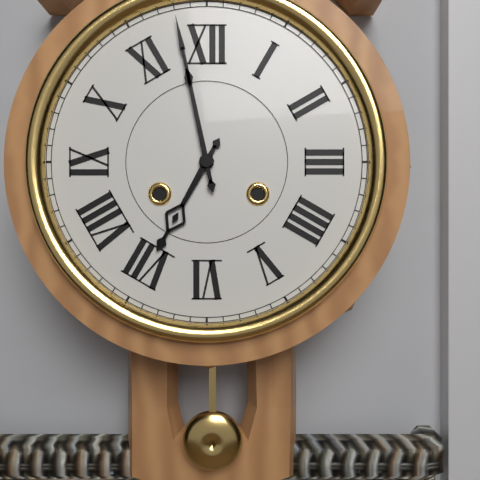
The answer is {"hour": 6, "minute": 58}
